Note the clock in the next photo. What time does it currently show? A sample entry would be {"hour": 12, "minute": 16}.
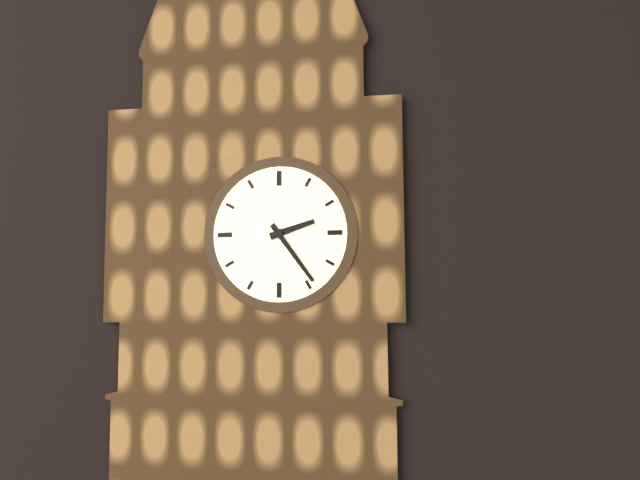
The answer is {"hour": 2, "minute": 24}
